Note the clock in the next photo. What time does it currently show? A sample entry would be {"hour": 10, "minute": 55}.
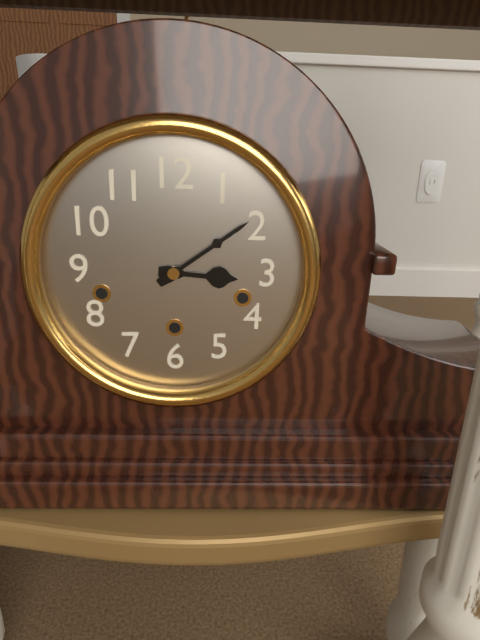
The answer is {"hour": 3, "minute": 9}
